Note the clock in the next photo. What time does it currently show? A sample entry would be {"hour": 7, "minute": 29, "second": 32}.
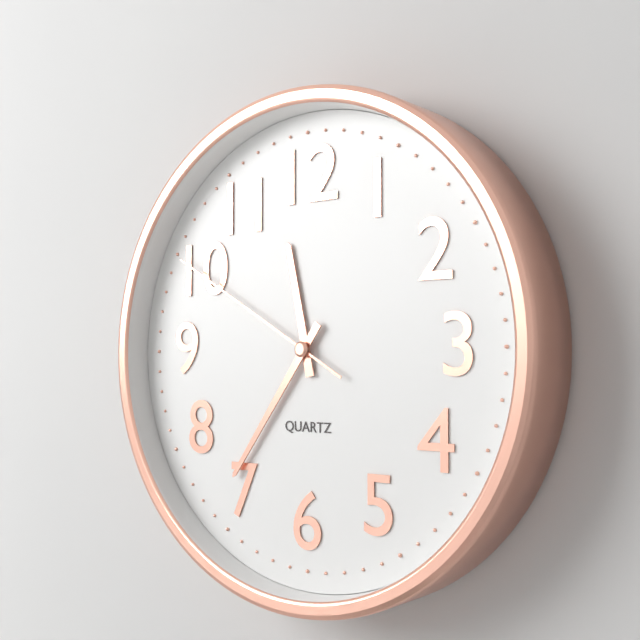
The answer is {"hour": 11, "minute": 36, "second": 50}
